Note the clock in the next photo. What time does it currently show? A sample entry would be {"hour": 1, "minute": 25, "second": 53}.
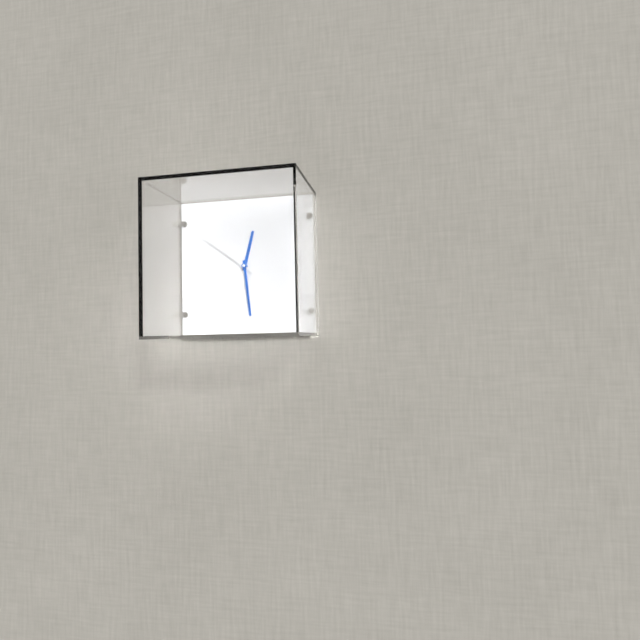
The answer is {"hour": 12, "minute": 29, "second": 51}
